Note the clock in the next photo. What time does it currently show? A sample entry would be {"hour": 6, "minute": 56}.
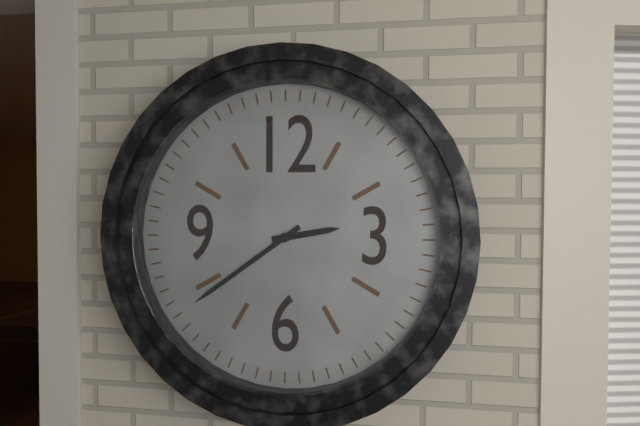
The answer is {"hour": 2, "minute": 39}
